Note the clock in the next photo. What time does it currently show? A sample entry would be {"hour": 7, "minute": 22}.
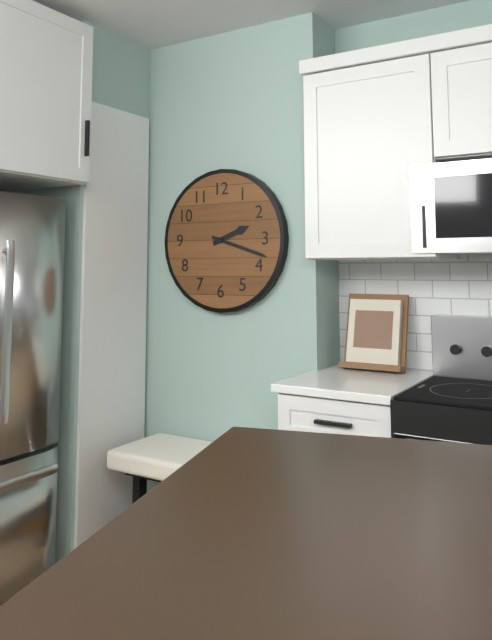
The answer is {"hour": 2, "minute": 18}
